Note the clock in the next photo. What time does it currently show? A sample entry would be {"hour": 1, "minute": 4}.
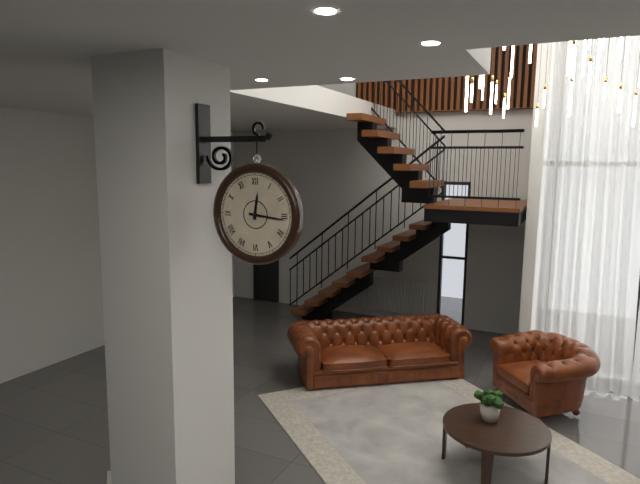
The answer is {"hour": 12, "minute": 16}
